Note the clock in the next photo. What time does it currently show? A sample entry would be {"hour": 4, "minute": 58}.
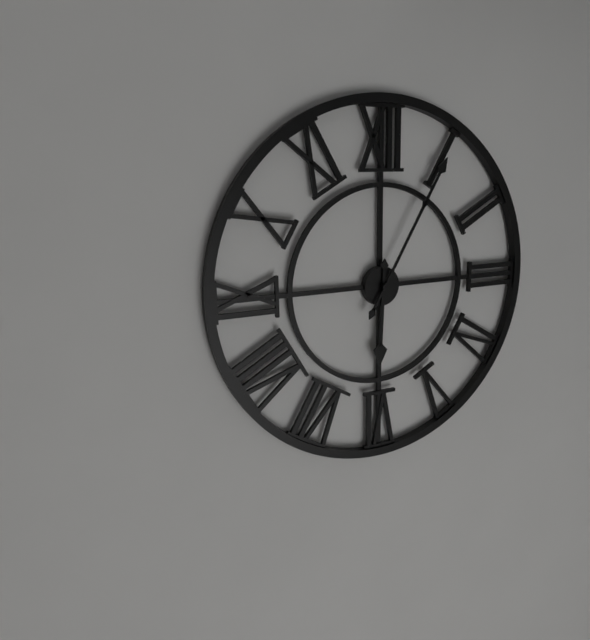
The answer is {"hour": 6, "minute": 5}
